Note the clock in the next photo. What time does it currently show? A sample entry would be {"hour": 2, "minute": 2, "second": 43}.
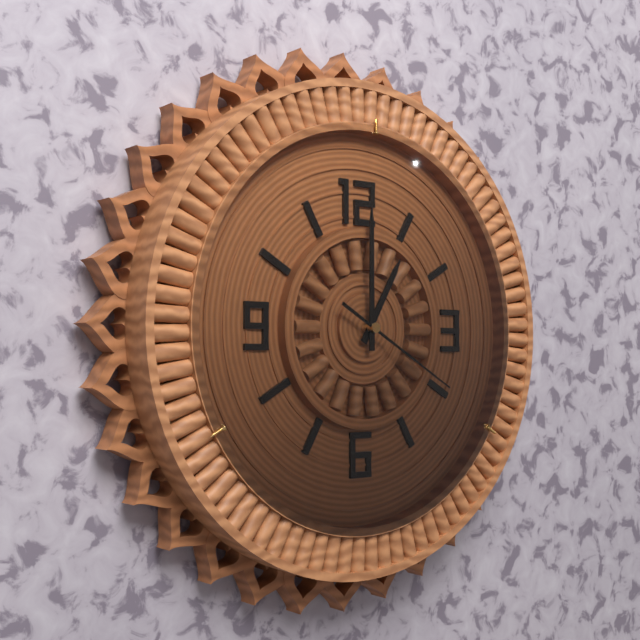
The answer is {"hour": 1, "minute": 0, "second": 20}
